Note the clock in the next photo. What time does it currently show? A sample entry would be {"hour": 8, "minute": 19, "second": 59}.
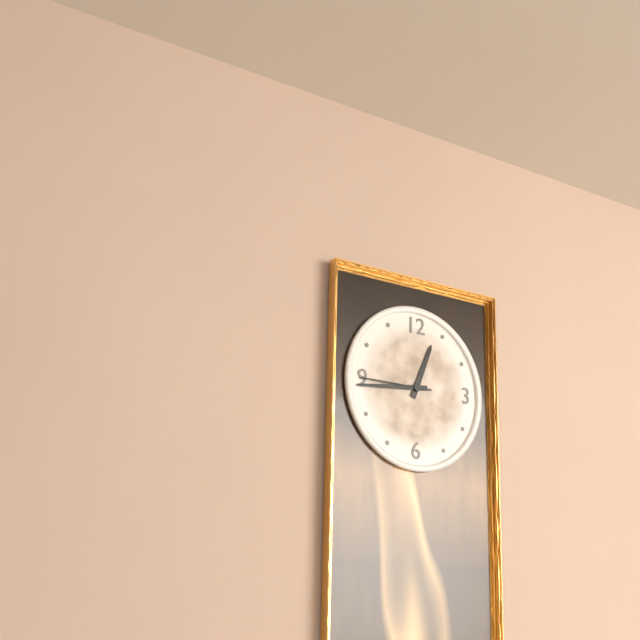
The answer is {"hour": 12, "minute": 44, "second": 45}
